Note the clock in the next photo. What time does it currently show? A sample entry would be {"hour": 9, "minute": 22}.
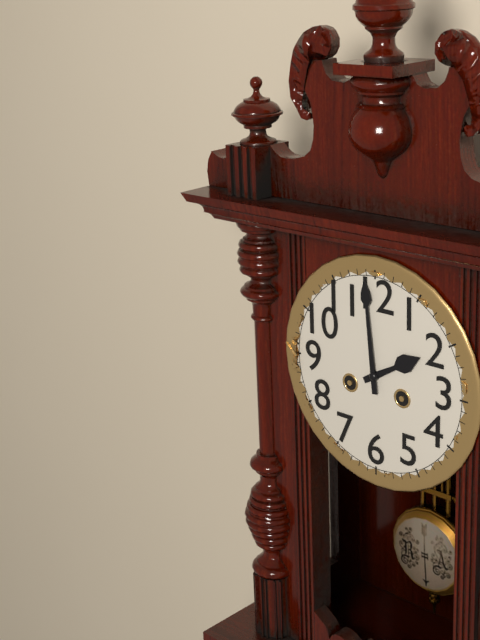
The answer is {"hour": 1, "minute": 59}
